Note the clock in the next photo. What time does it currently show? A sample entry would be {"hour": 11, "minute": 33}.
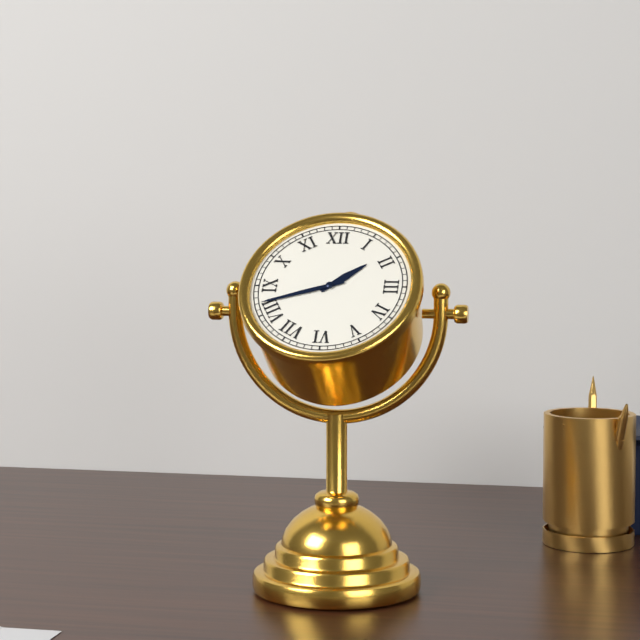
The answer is {"hour": 1, "minute": 42}
